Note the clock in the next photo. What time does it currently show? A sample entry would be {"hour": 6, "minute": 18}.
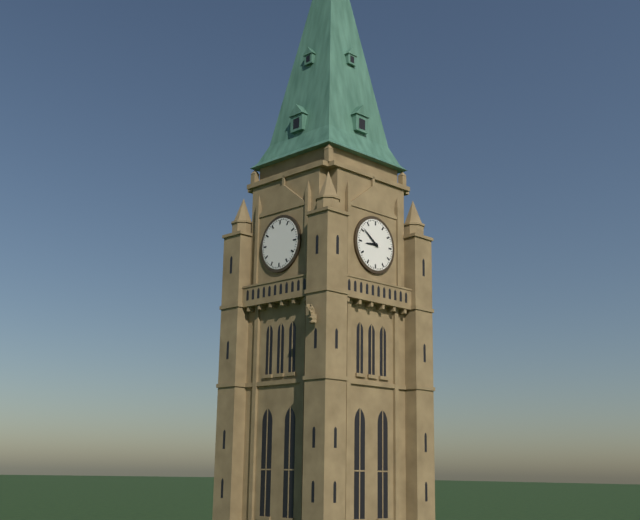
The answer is {"hour": 8, "minute": 51}
